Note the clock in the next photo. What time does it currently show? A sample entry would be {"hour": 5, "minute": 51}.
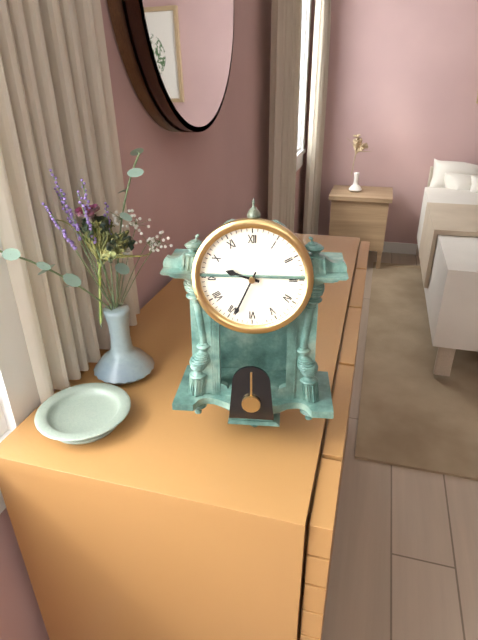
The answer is {"hour": 9, "minute": 34}
